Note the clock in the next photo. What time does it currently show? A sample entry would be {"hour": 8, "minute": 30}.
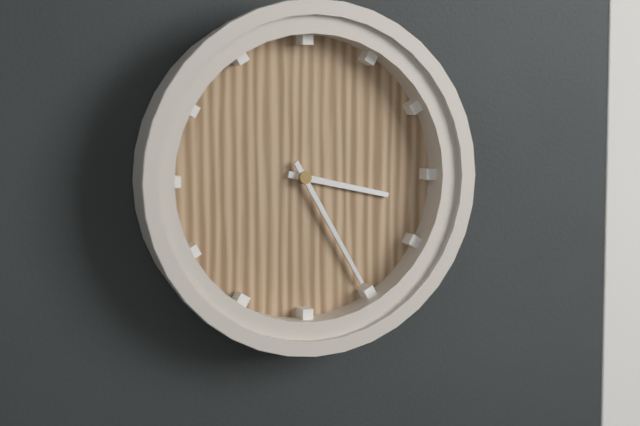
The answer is {"hour": 3, "minute": 25}
